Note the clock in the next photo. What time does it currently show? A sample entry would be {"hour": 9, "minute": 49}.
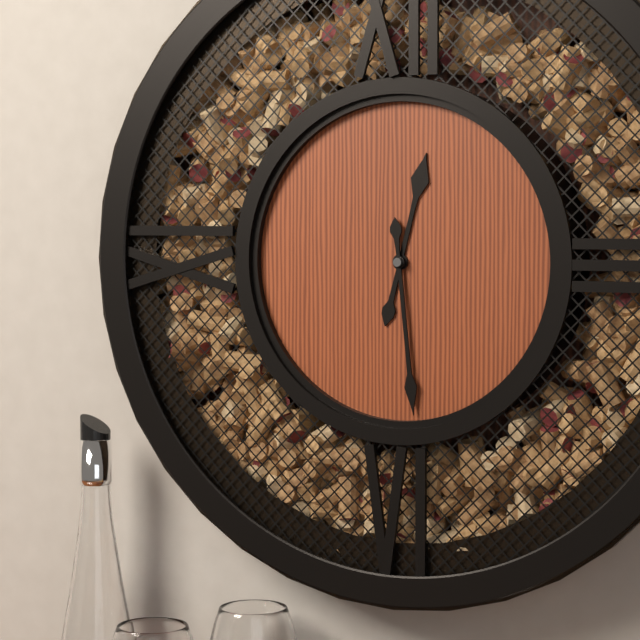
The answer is {"hour": 12, "minute": 29}
